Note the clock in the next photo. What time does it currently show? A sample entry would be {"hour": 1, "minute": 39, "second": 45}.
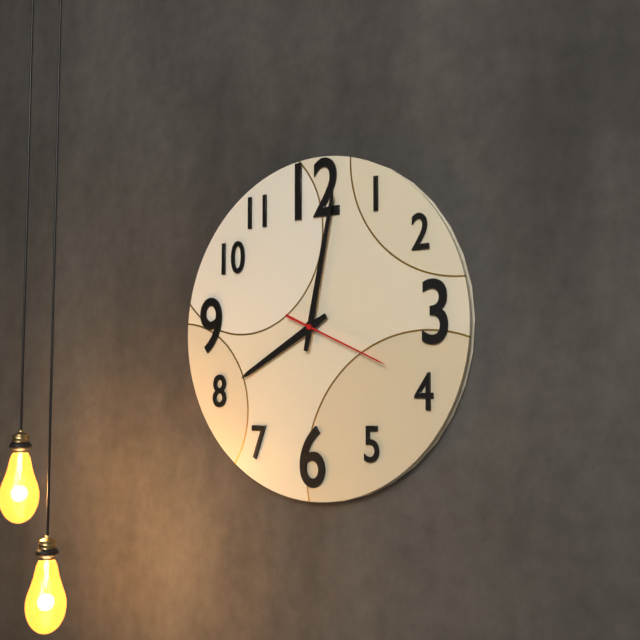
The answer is {"hour": 8, "minute": 2, "second": 19}
